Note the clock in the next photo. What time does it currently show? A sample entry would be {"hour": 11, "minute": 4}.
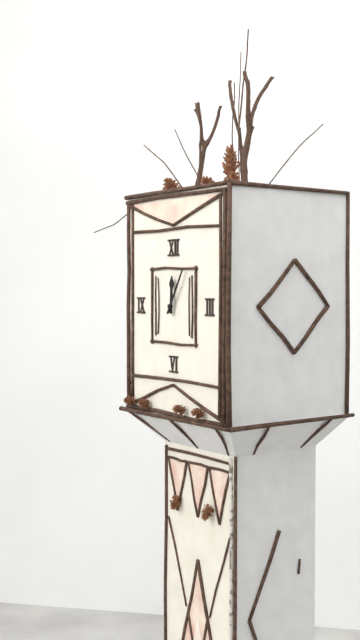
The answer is {"hour": 12, "minute": 5}
